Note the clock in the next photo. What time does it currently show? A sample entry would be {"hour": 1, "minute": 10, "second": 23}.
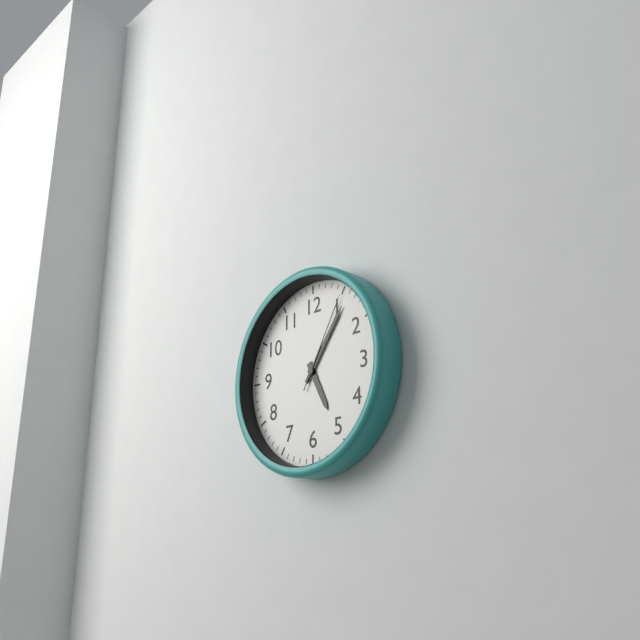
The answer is {"hour": 5, "minute": 6, "second": 5}
